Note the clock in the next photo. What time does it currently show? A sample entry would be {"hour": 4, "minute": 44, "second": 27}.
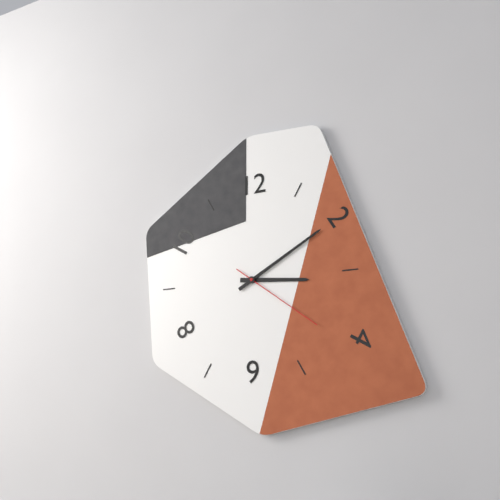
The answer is {"hour": 3, "minute": 10, "second": 21}
